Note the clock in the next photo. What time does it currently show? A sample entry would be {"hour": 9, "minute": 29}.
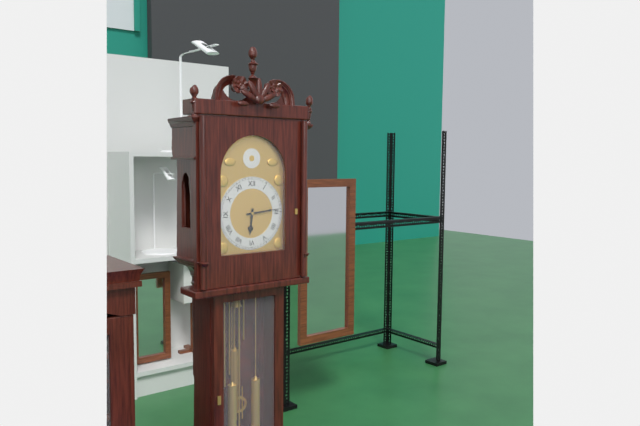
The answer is {"hour": 6, "minute": 14}
